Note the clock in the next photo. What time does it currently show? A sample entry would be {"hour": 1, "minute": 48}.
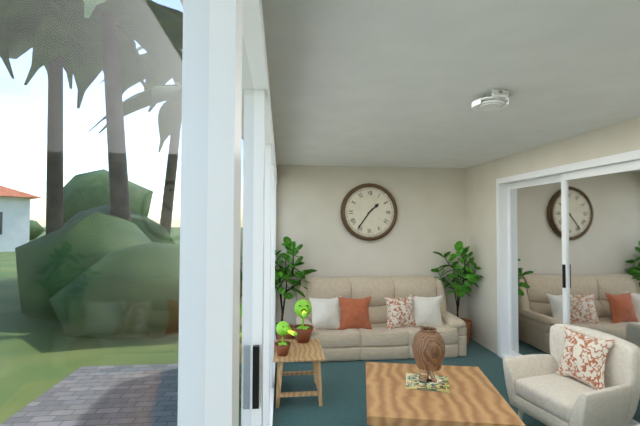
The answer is {"hour": 1, "minute": 36}
